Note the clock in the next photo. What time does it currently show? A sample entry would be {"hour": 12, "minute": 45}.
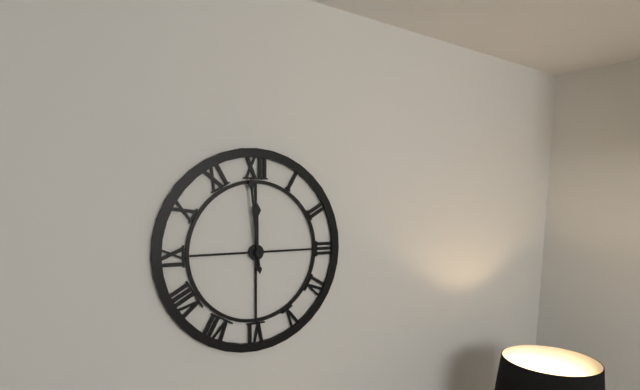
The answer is {"hour": 11, "minute": 59}
